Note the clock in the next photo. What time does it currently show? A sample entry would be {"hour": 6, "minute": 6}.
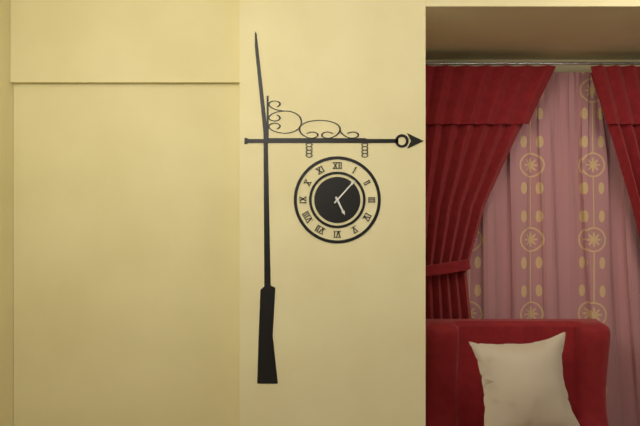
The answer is {"hour": 5, "minute": 7}
